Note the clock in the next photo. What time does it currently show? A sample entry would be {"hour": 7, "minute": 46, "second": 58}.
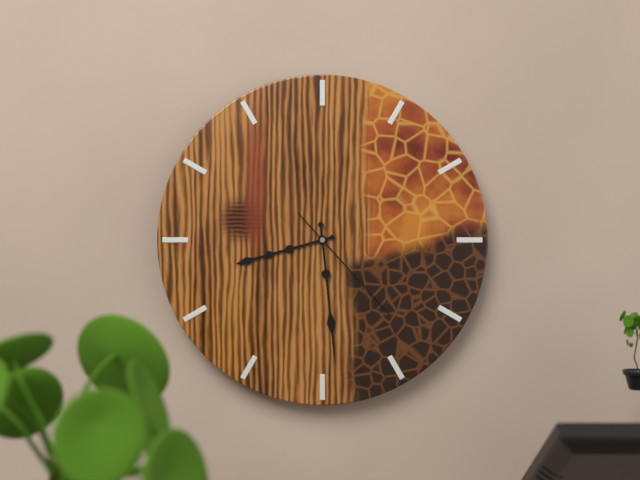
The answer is {"hour": 8, "minute": 29, "second": 23}
